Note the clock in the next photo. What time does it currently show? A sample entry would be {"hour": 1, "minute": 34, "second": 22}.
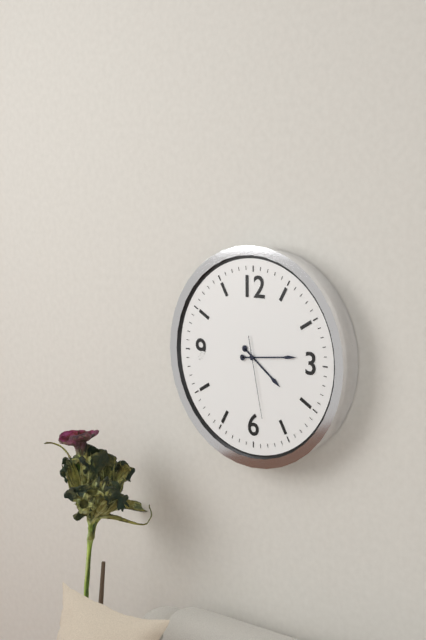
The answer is {"hour": 4, "minute": 14, "second": 28}
